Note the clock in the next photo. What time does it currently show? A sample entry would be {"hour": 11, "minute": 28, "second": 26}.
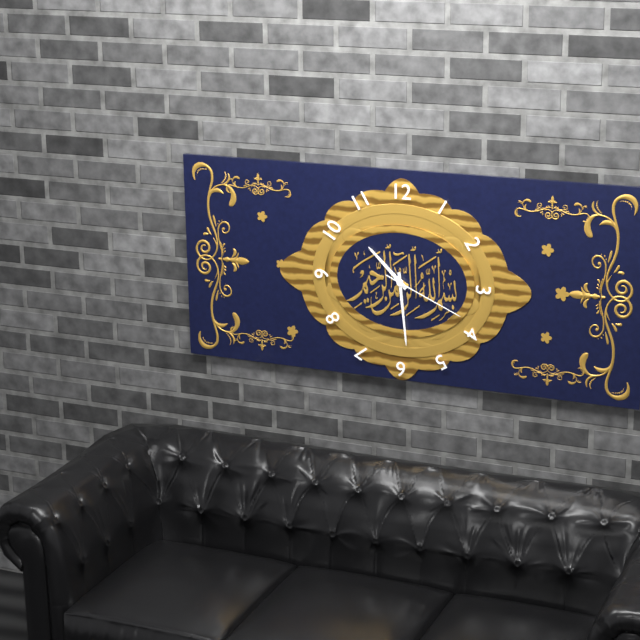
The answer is {"hour": 10, "minute": 29, "second": 19}
